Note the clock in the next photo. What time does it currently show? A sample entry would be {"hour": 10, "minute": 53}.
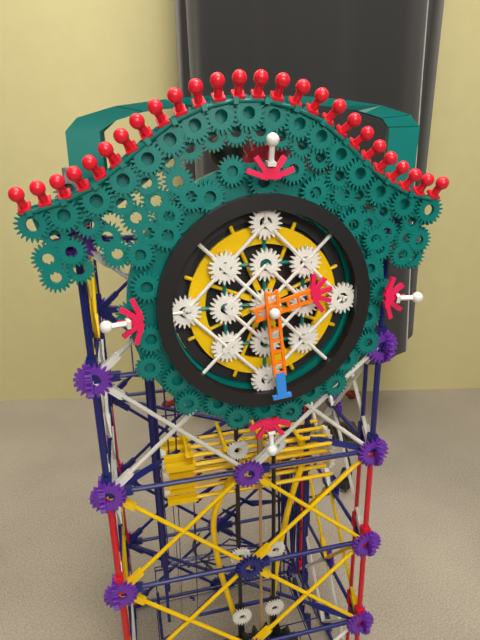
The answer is {"hour": 2, "minute": 29}
